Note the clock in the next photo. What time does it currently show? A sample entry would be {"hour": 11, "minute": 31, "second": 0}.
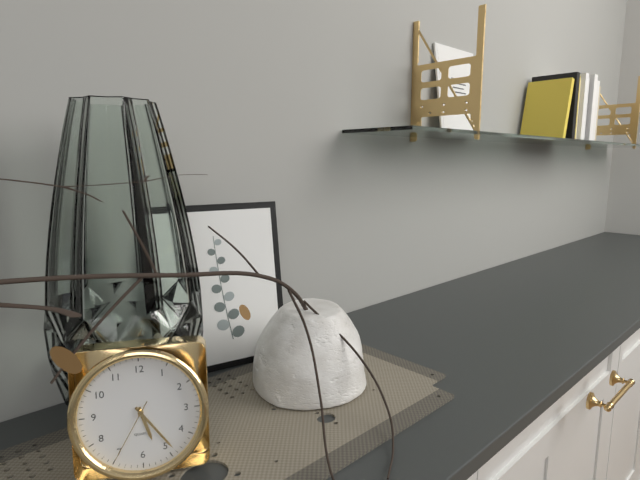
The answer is {"hour": 5, "minute": 24, "second": 35}
